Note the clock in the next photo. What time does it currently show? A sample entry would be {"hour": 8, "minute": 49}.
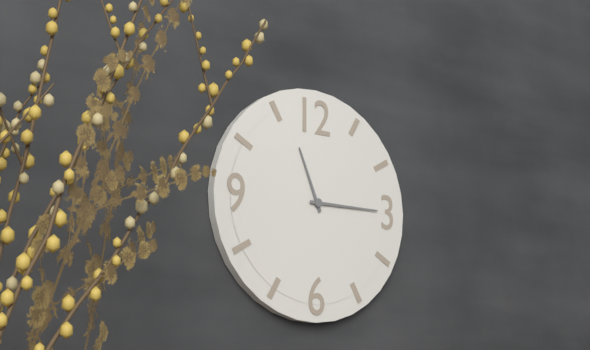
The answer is {"hour": 11, "minute": 15}
